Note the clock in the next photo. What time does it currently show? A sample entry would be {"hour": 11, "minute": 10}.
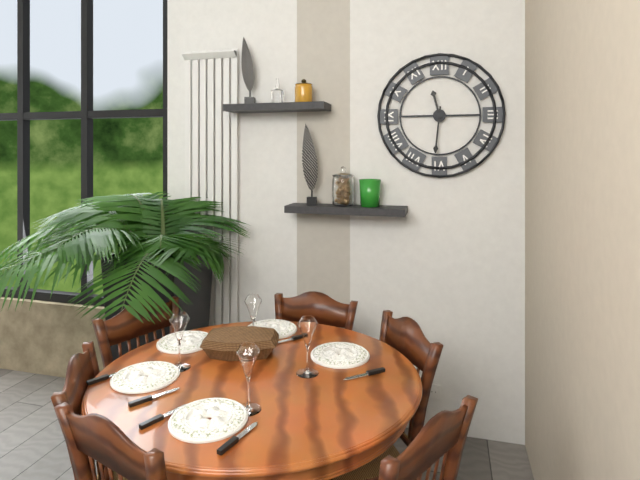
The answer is {"hour": 11, "minute": 31}
